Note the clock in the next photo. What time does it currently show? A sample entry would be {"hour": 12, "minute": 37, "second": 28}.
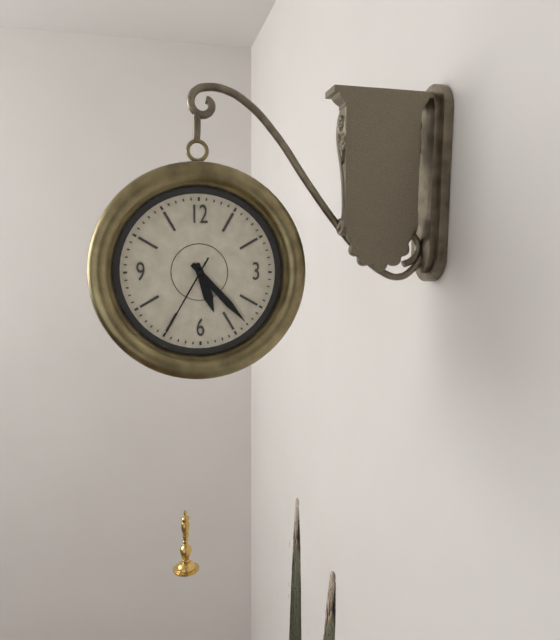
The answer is {"hour": 5, "minute": 23, "second": 35}
